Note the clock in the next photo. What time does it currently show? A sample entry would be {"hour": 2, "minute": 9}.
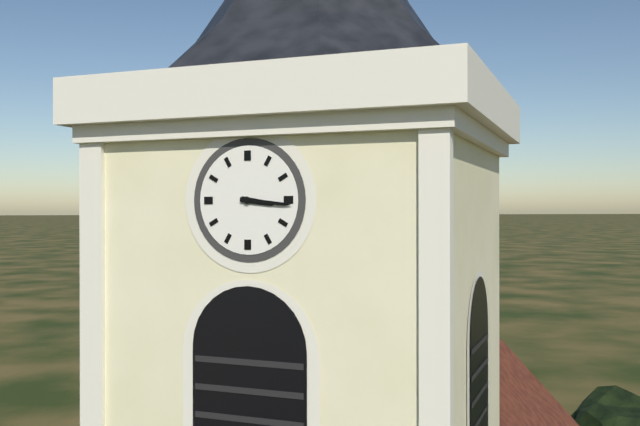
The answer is {"hour": 3, "minute": 16}
